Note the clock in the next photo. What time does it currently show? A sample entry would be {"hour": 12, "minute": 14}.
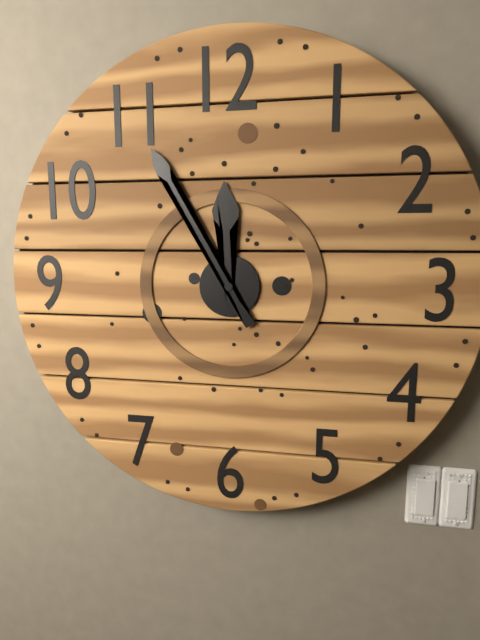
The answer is {"hour": 11, "minute": 55}
